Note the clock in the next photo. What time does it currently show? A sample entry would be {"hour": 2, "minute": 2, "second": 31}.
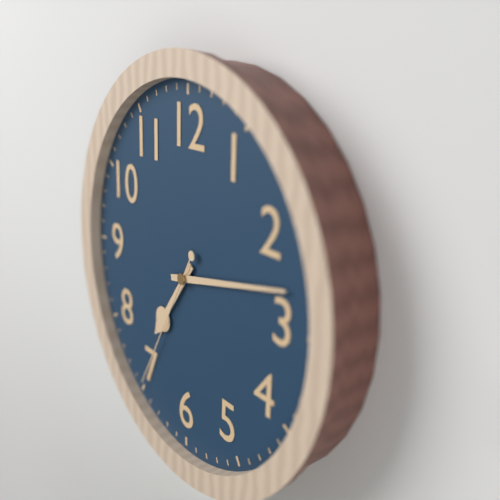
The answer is {"hour": 7, "minute": 13, "second": 35}
